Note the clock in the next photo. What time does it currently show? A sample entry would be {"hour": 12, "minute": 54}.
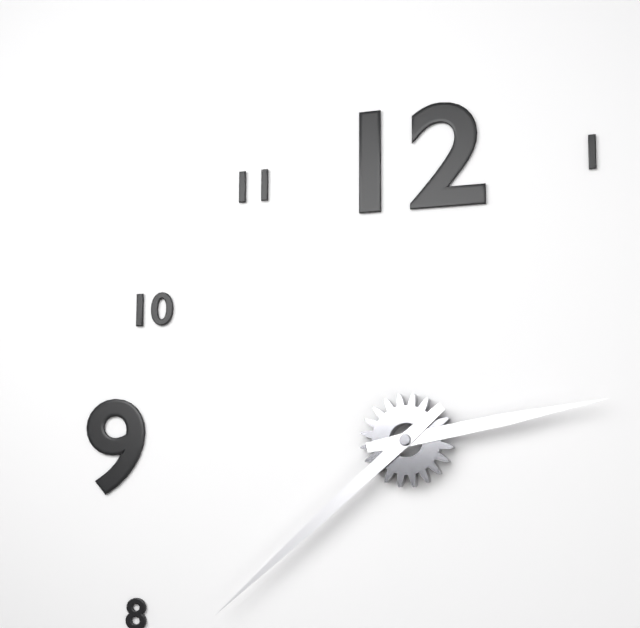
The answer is {"hour": 2, "minute": 38}
